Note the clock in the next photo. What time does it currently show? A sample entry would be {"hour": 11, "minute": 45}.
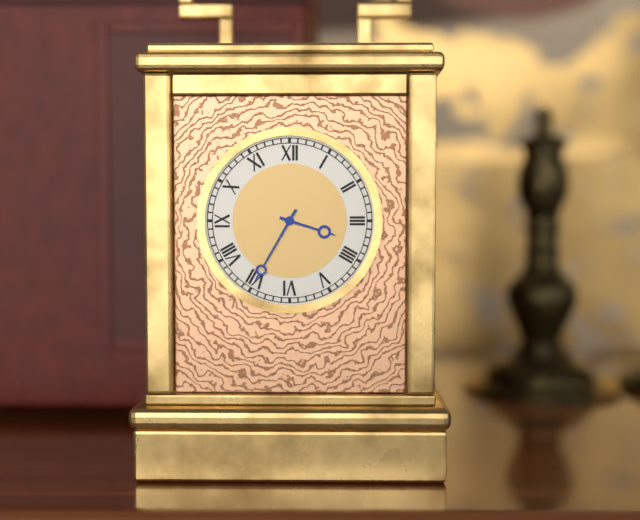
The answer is {"hour": 3, "minute": 35}
